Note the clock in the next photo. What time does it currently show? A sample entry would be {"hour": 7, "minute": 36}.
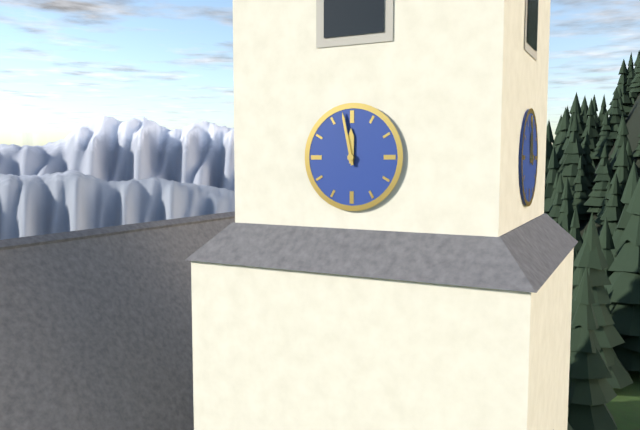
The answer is {"hour": 11, "minute": 58}
